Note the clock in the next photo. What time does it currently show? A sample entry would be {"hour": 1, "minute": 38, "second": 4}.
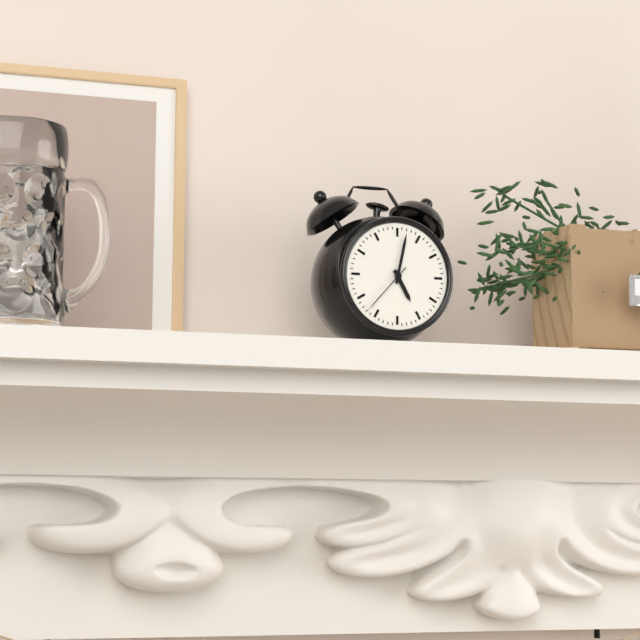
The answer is {"hour": 5, "minute": 2, "second": 37}
